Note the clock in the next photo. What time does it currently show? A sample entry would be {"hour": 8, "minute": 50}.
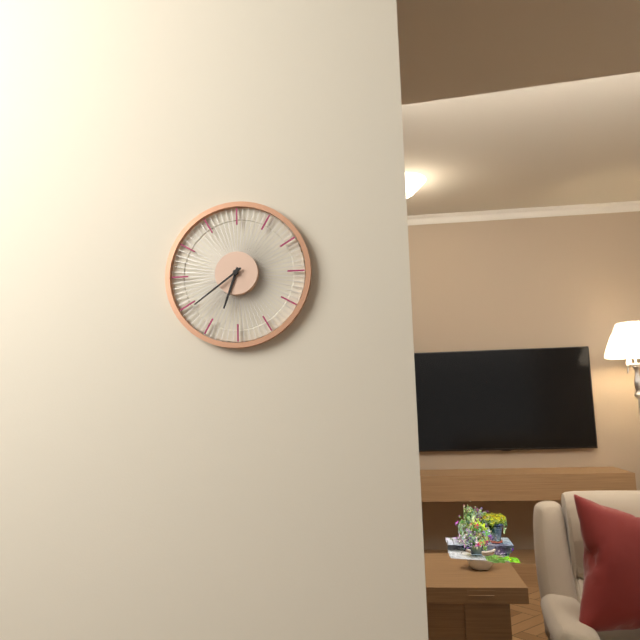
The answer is {"hour": 6, "minute": 39}
